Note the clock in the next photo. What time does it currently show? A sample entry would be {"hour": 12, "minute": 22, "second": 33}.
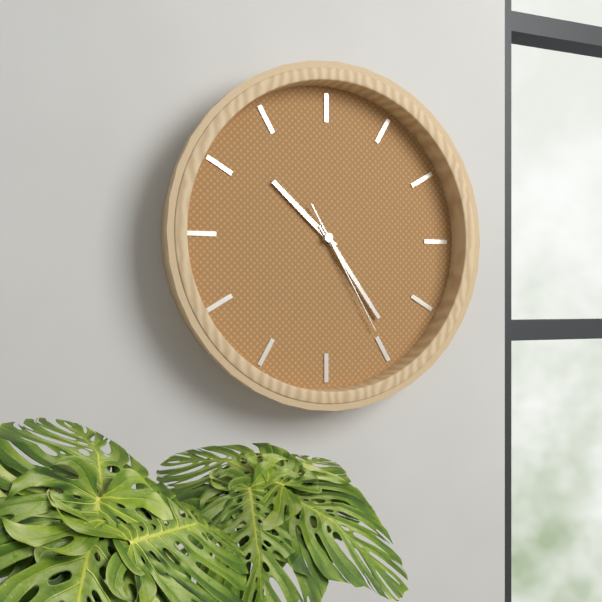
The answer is {"hour": 10, "minute": 24, "second": 25}
